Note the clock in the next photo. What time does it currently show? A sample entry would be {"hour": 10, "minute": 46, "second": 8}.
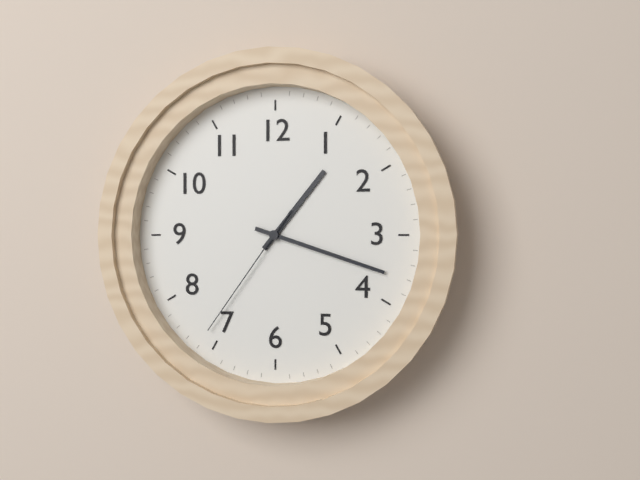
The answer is {"hour": 1, "minute": 18, "second": 36}
